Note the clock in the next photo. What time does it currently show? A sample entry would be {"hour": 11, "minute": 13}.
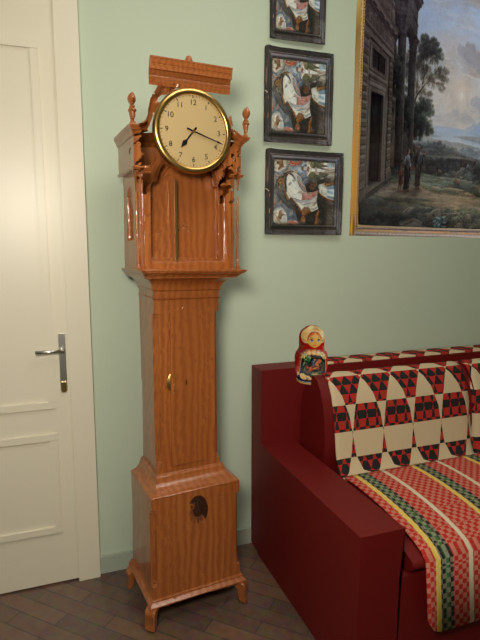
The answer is {"hour": 7, "minute": 18}
